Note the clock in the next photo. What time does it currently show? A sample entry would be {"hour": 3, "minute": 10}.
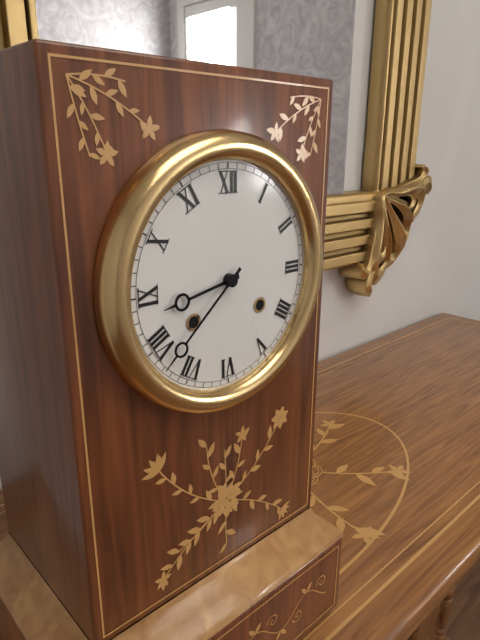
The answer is {"hour": 8, "minute": 38}
